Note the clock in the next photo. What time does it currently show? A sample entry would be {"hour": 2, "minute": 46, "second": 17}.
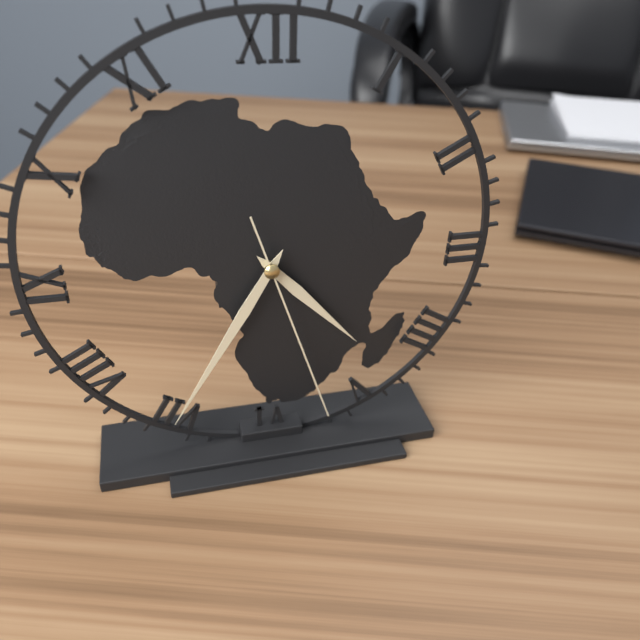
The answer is {"hour": 4, "minute": 35, "second": 27}
